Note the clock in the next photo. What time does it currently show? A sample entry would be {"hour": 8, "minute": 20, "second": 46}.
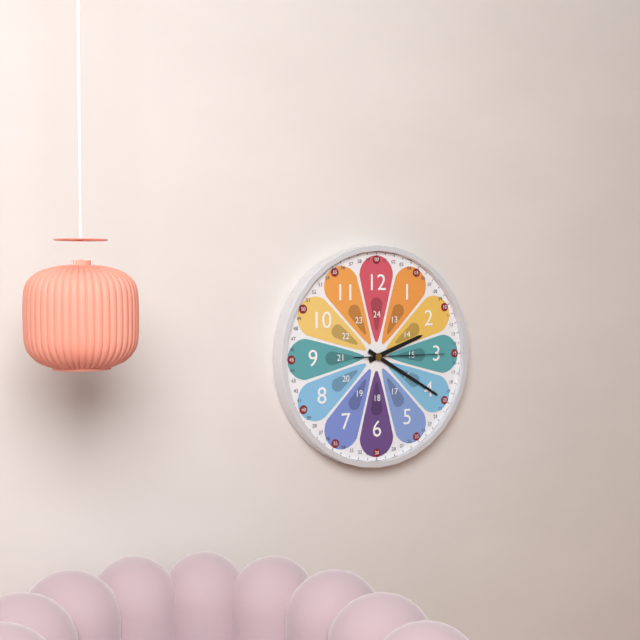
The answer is {"hour": 2, "minute": 20, "second": 15}
